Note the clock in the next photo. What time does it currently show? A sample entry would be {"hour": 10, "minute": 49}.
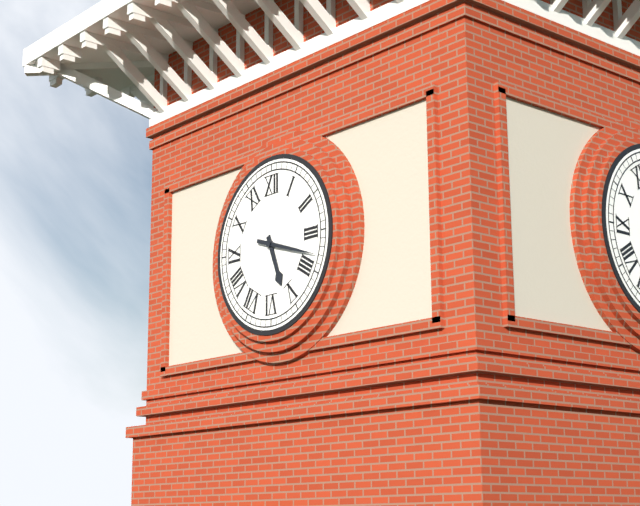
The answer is {"hour": 5, "minute": 18}
